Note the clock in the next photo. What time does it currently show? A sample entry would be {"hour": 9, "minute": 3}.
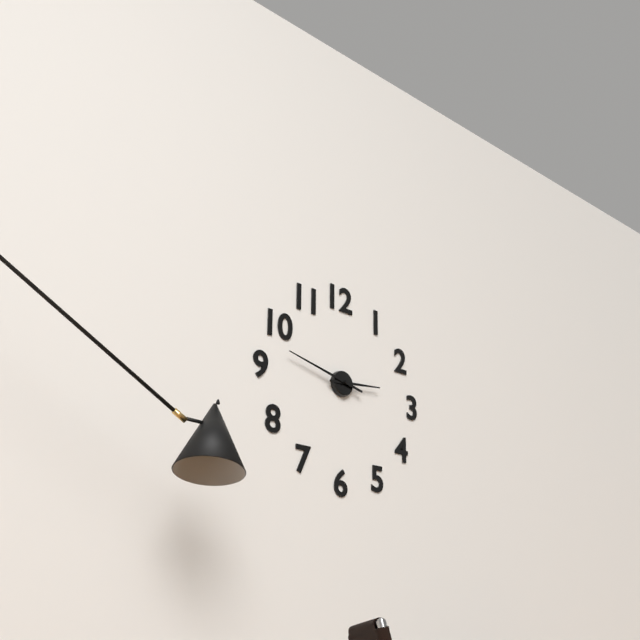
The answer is {"hour": 2, "minute": 47}
